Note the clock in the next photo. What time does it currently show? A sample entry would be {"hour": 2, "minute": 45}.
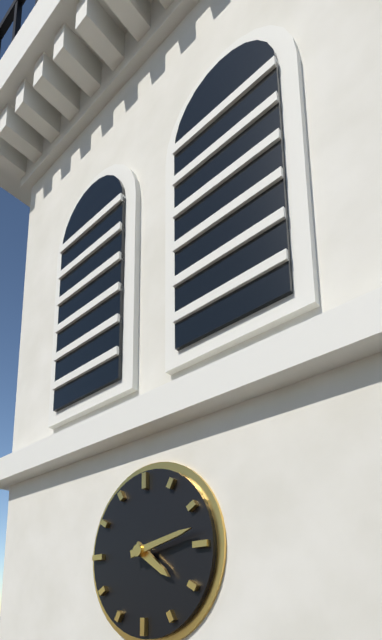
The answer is {"hour": 4, "minute": 13}
